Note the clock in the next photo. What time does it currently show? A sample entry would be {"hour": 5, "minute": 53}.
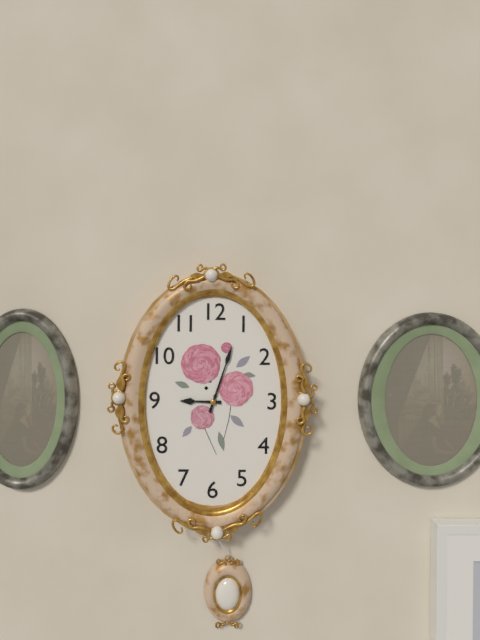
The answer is {"hour": 9, "minute": 3}
